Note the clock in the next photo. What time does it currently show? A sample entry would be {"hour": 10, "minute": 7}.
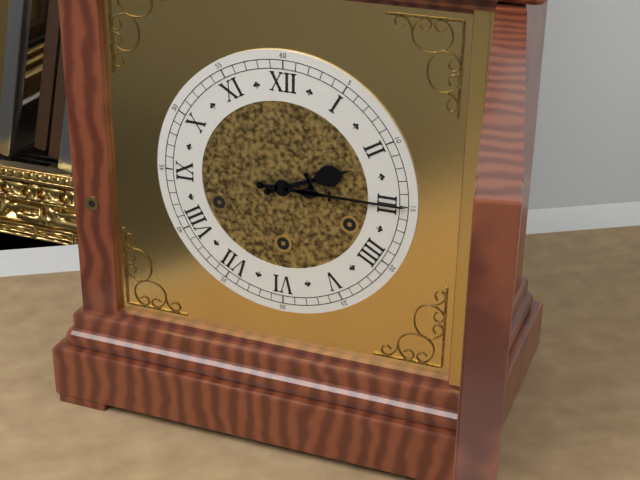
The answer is {"hour": 2, "minute": 15}
